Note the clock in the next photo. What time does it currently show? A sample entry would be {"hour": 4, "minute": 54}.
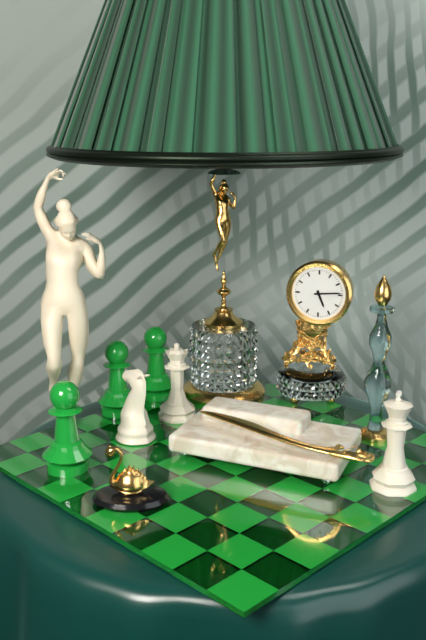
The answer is {"hour": 5, "minute": 14}
